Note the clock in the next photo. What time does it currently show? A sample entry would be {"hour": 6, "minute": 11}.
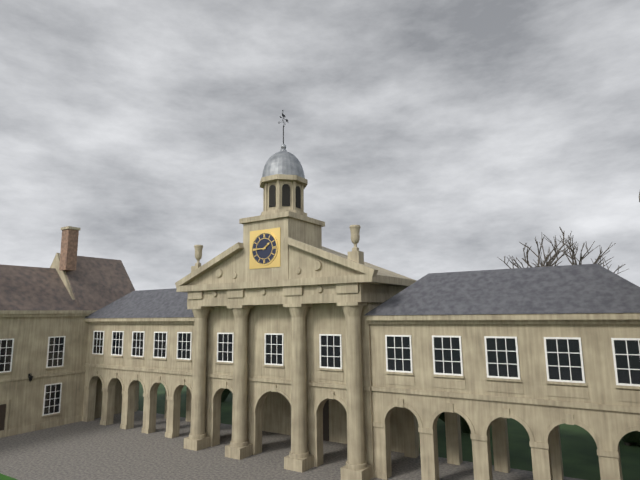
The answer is {"hour": 1, "minute": 45}
